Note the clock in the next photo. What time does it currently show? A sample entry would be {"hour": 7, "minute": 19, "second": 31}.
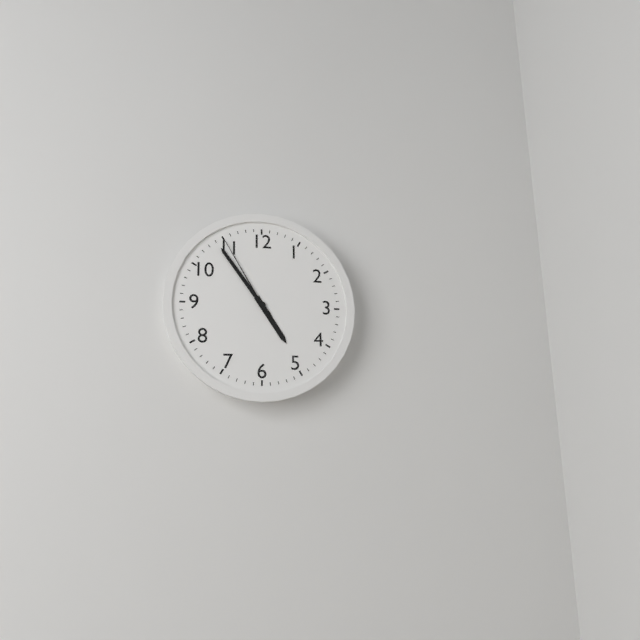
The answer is {"hour": 4, "minute": 54, "second": 55}
